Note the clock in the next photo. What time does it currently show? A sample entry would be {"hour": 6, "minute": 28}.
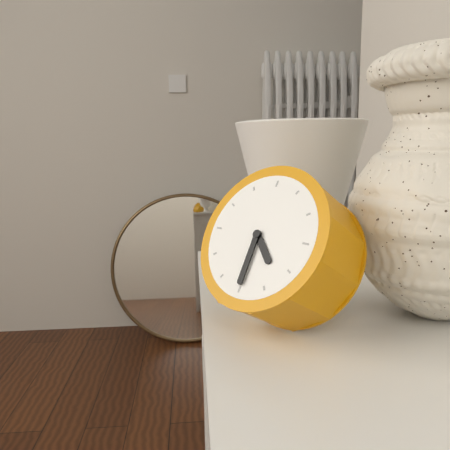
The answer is {"hour": 4, "minute": 30}
